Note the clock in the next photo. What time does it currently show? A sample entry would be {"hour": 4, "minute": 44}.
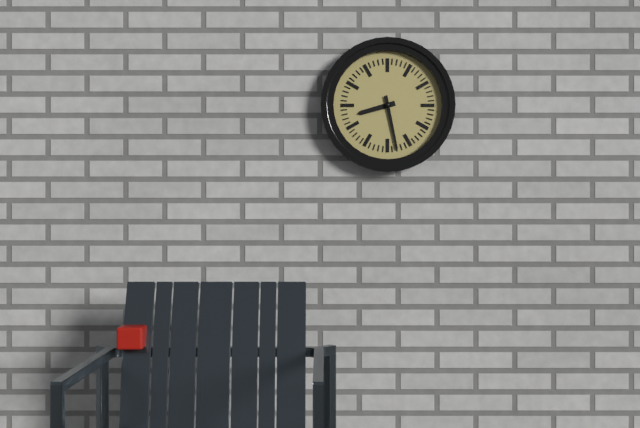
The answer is {"hour": 8, "minute": 28}
